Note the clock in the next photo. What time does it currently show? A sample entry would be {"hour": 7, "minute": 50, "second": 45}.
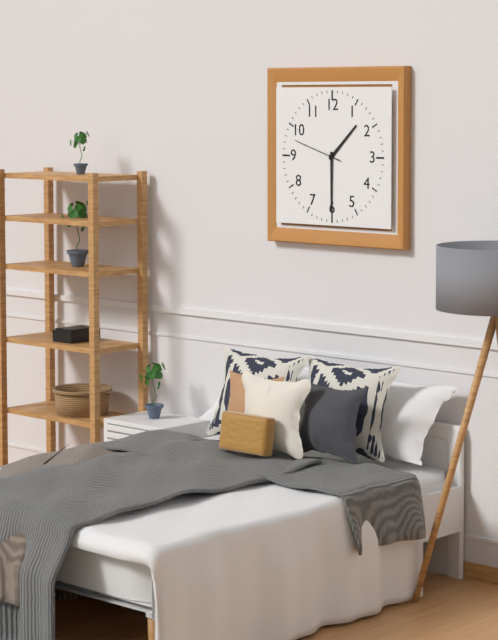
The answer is {"hour": 1, "minute": 30, "second": 48}
